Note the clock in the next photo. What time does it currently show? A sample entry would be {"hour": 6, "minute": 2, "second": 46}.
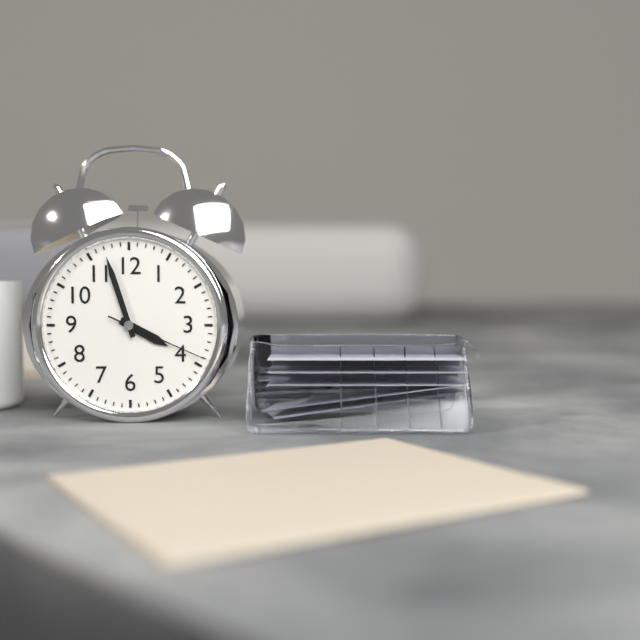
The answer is {"hour": 3, "minute": 57, "second": 19}
